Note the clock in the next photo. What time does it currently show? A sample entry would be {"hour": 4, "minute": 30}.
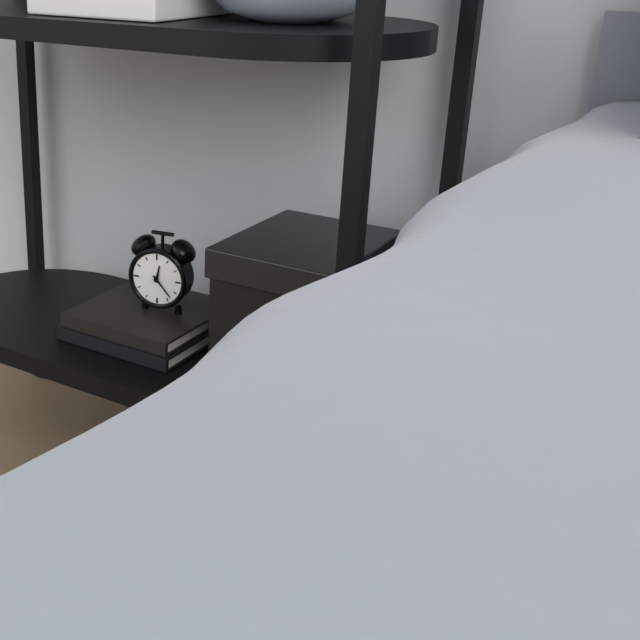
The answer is {"hour": 12, "minute": 23}
